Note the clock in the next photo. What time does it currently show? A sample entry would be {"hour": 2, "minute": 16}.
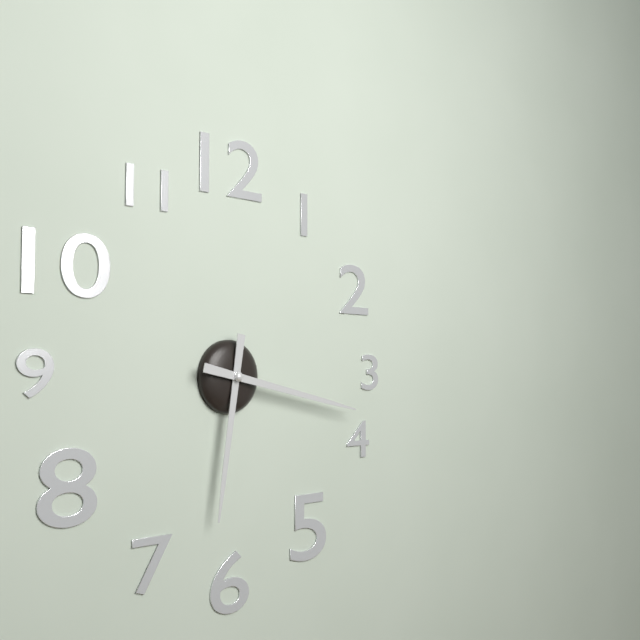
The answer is {"hour": 6, "minute": 17}
